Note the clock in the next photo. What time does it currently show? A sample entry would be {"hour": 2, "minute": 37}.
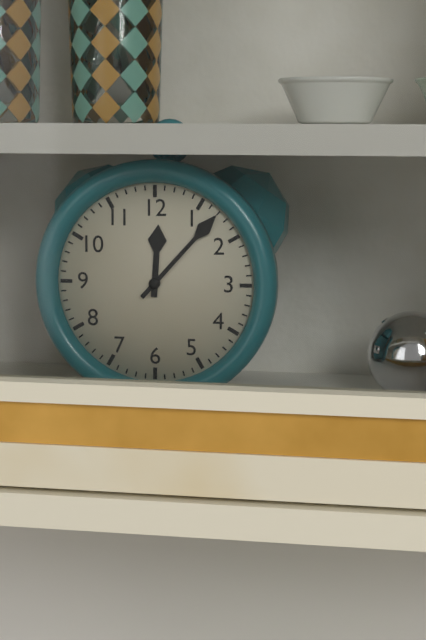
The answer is {"hour": 12, "minute": 7}
